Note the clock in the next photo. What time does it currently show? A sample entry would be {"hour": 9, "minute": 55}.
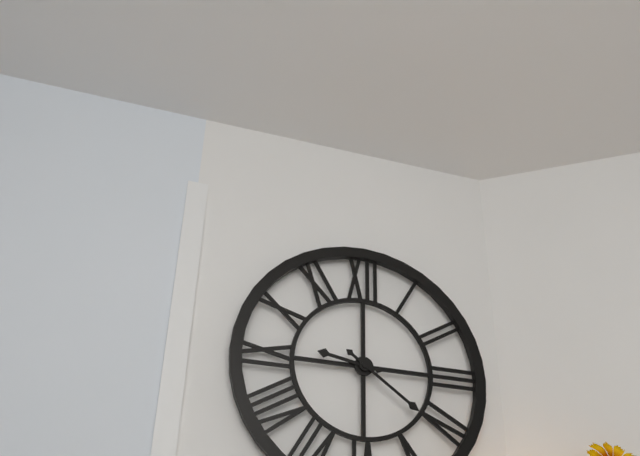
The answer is {"hour": 9, "minute": 21}
